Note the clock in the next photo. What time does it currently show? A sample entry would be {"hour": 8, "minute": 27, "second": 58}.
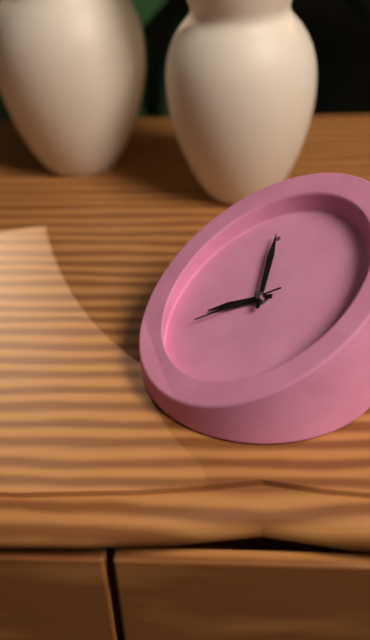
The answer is {"hour": 10, "minute": 7, "second": 49}
